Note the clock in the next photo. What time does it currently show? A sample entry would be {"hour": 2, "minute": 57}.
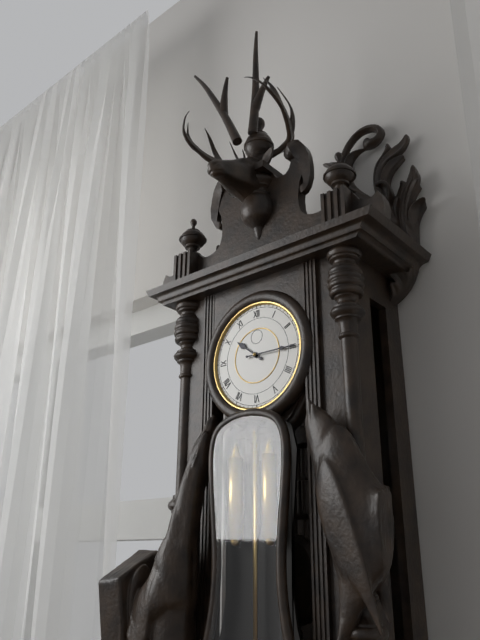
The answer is {"hour": 10, "minute": 15}
